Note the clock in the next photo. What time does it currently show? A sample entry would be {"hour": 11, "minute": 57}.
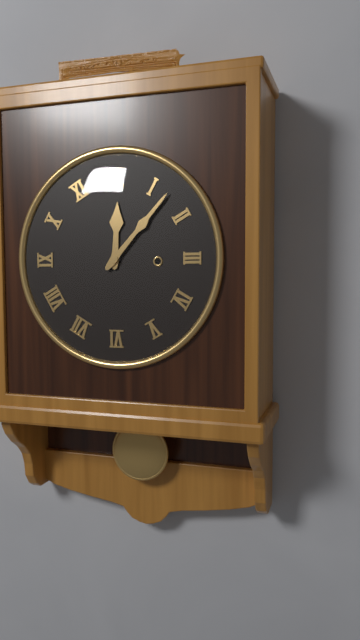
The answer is {"hour": 12, "minute": 7}
